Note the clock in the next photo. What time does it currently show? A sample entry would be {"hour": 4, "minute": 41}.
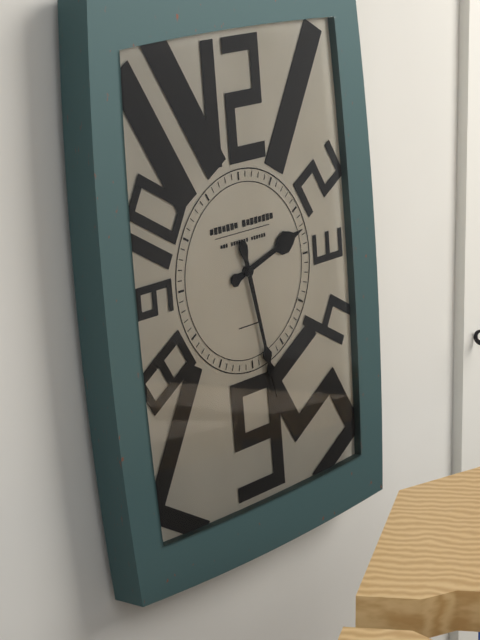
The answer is {"hour": 2, "minute": 28}
